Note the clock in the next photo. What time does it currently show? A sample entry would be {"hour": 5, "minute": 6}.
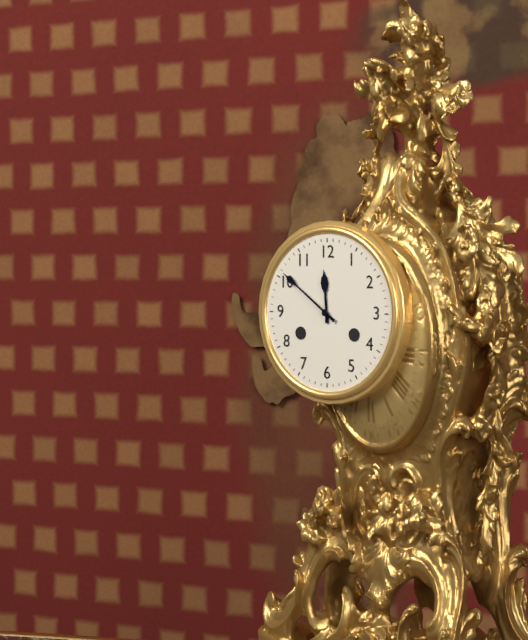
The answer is {"hour": 11, "minute": 51}
